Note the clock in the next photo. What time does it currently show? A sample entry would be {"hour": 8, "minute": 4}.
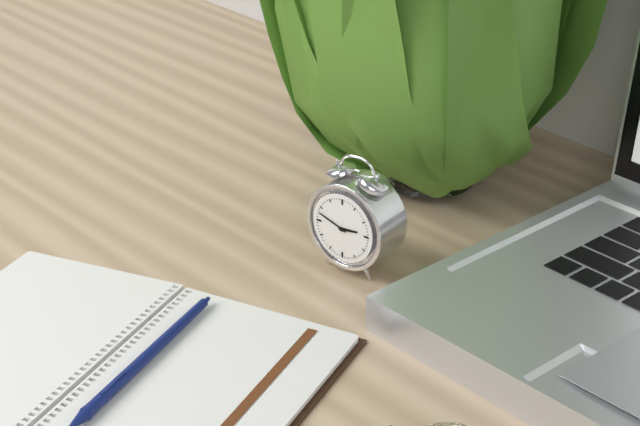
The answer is {"hour": 2, "minute": 48}
